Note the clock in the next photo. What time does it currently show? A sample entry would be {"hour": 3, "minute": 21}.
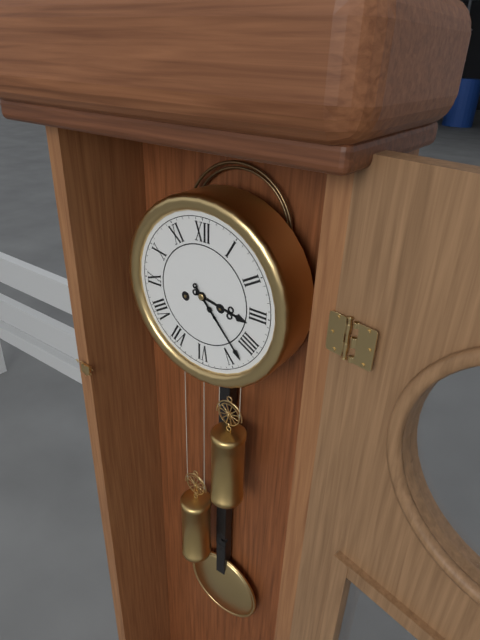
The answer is {"hour": 3, "minute": 23}
